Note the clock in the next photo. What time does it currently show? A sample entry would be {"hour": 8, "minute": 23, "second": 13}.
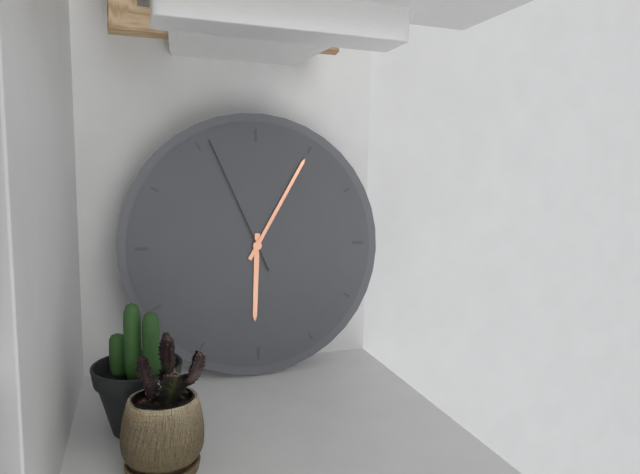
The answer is {"hour": 6, "minute": 5, "second": 56}
